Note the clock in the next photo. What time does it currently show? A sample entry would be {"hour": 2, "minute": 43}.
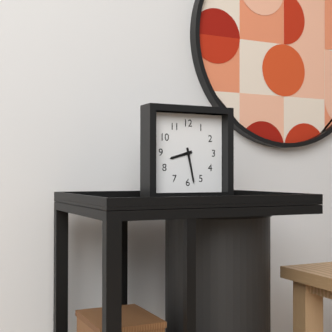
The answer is {"hour": 8, "minute": 28}
